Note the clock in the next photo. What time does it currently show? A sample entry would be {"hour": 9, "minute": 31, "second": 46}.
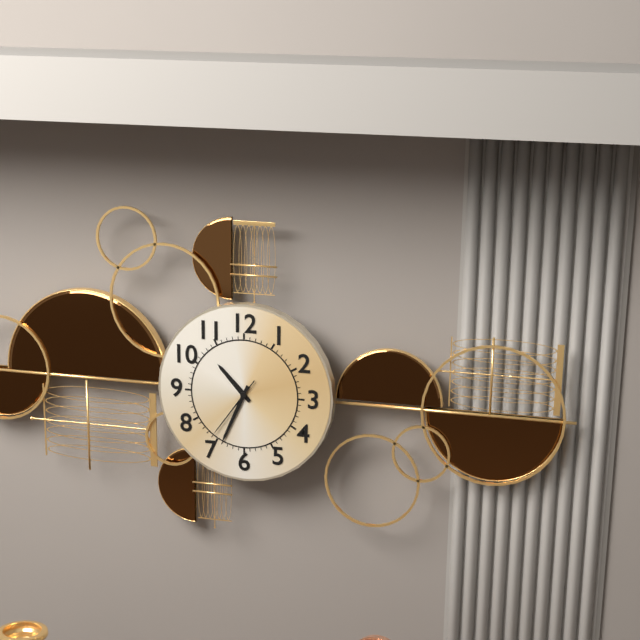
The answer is {"hour": 10, "minute": 34, "second": 36}
